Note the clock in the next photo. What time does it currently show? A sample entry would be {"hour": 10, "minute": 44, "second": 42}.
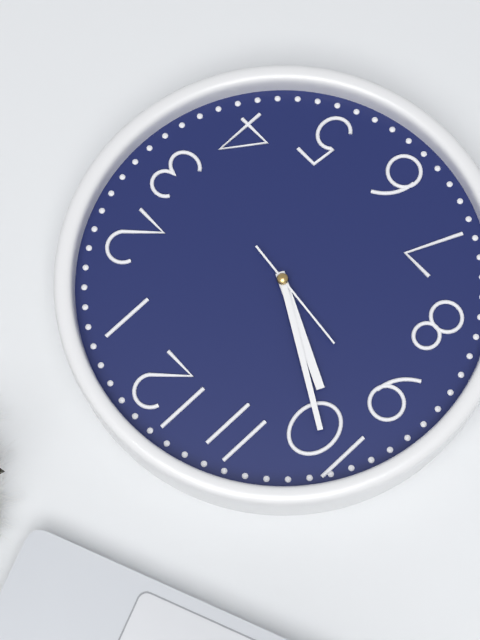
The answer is {"hour": 9, "minute": 50, "second": 46}
